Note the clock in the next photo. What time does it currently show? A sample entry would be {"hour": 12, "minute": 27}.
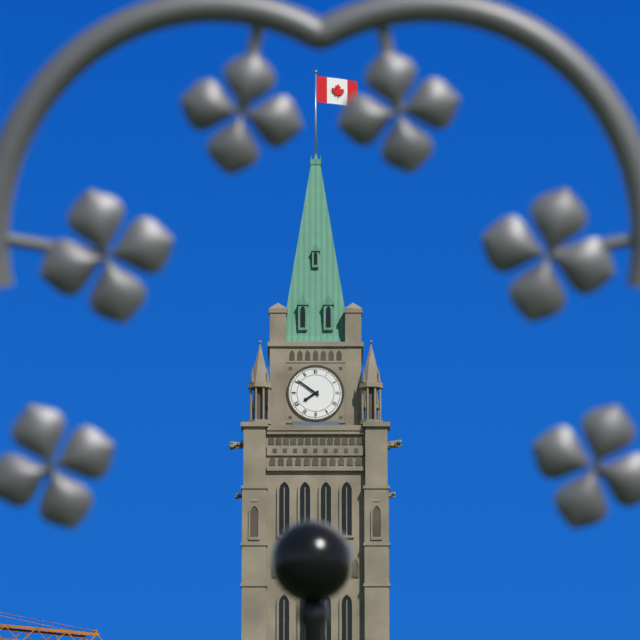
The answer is {"hour": 7, "minute": 51}
